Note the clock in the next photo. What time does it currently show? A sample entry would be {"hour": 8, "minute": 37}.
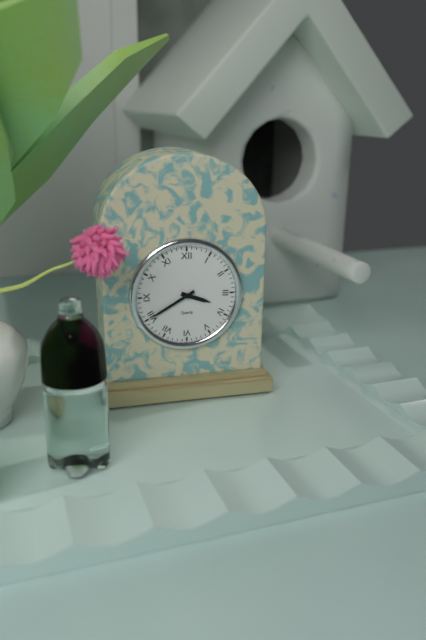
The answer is {"hour": 3, "minute": 40}
